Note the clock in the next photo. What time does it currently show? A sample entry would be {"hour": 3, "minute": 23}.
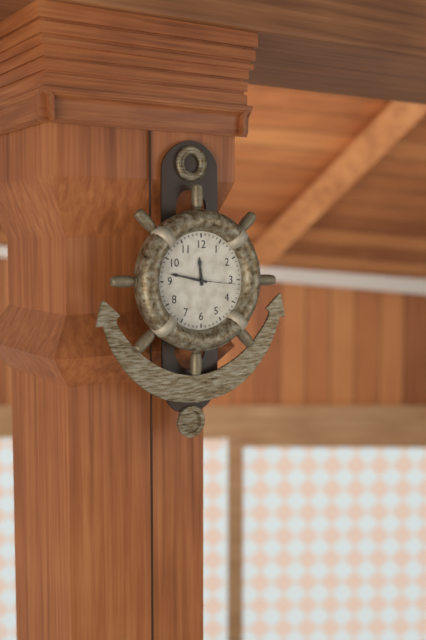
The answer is {"hour": 11, "minute": 47}
